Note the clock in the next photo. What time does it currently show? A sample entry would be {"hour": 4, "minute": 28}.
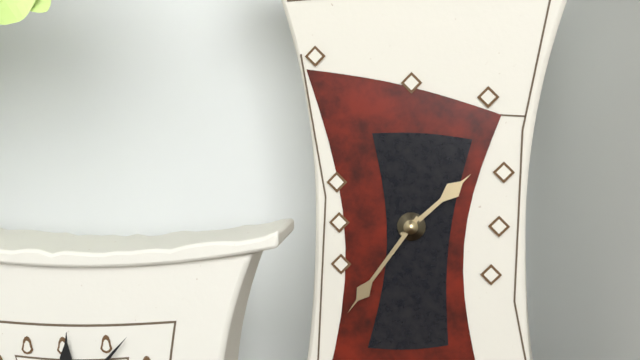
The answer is {"hour": 1, "minute": 36}
